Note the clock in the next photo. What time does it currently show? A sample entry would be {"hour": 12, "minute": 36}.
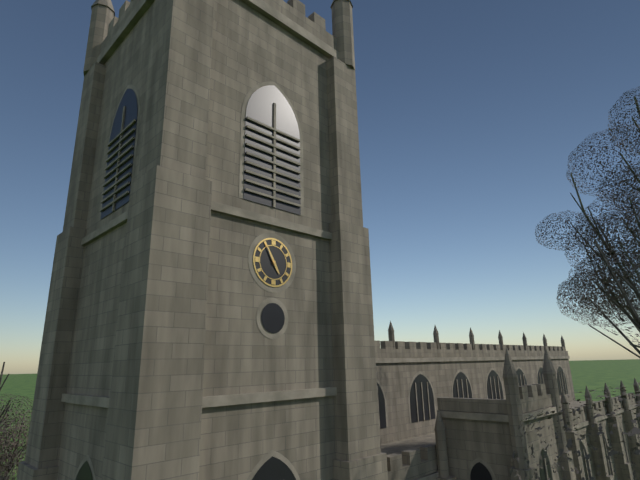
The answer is {"hour": 4, "minute": 55}
